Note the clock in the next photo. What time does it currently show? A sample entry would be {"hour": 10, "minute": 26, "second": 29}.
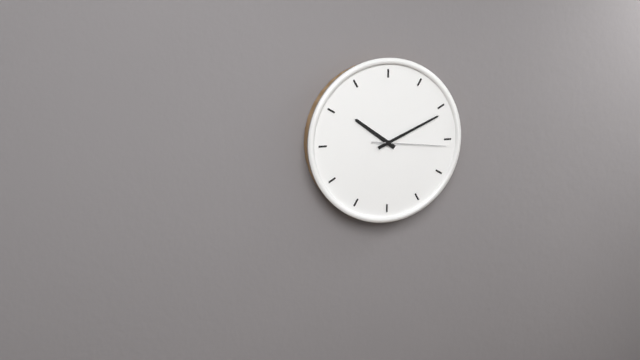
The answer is {"hour": 10, "minute": 11, "second": 16}
